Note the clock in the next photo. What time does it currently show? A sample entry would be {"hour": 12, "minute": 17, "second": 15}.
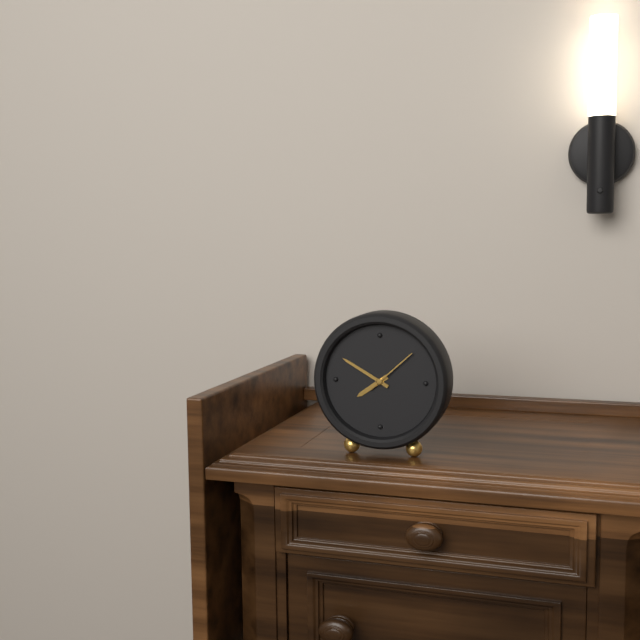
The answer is {"hour": 7, "minute": 50, "second": 8}
